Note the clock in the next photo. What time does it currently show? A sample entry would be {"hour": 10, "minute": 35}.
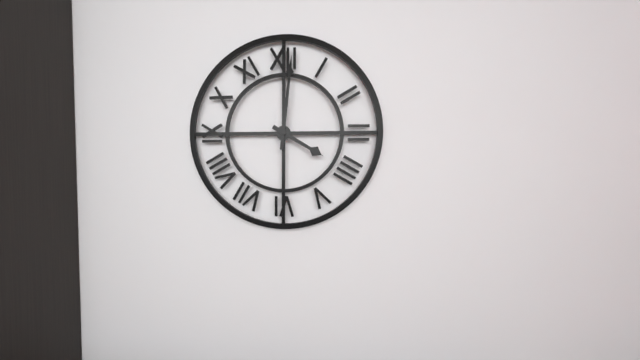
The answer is {"hour": 4, "minute": 1}
